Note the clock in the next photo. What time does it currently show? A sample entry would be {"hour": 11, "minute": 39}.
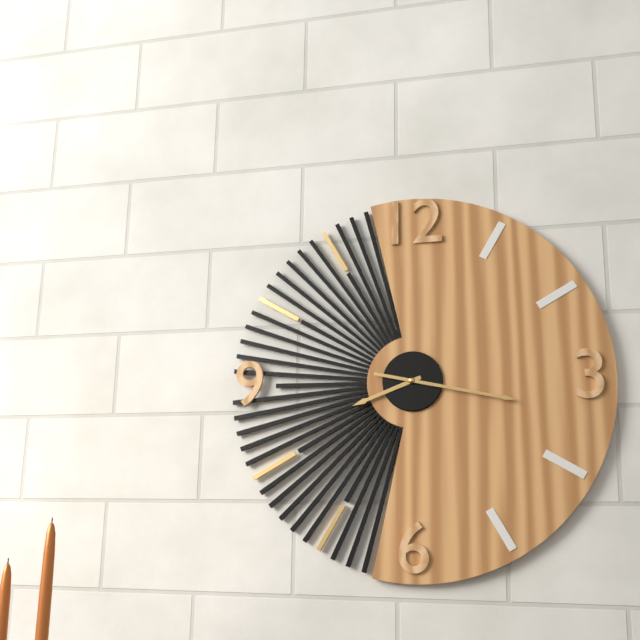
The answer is {"hour": 8, "minute": 17}
